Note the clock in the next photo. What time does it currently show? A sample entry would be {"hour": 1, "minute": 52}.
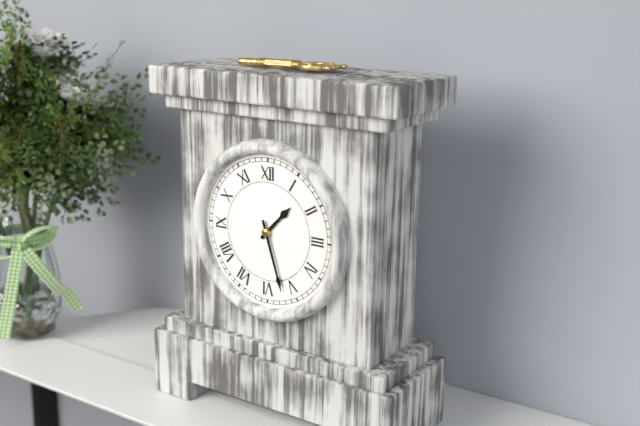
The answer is {"hour": 1, "minute": 27}
